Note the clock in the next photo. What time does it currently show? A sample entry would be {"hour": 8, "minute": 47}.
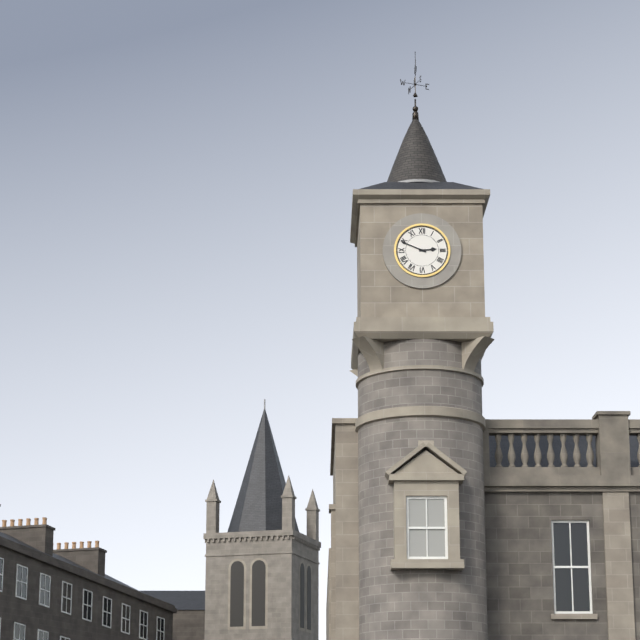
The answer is {"hour": 2, "minute": 49}
